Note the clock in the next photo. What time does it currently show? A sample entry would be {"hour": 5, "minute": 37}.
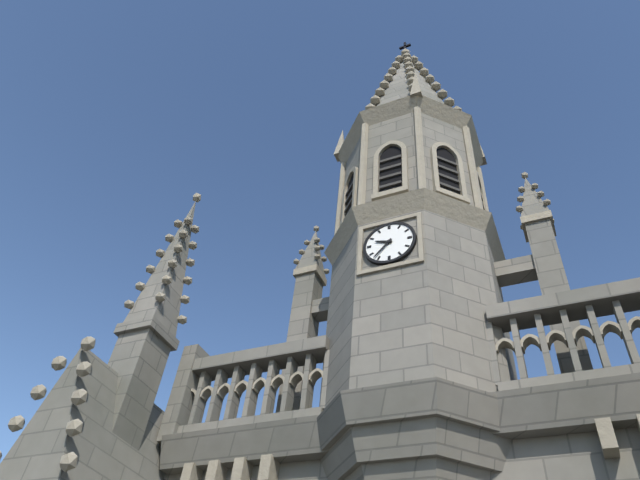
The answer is {"hour": 9, "minute": 37}
